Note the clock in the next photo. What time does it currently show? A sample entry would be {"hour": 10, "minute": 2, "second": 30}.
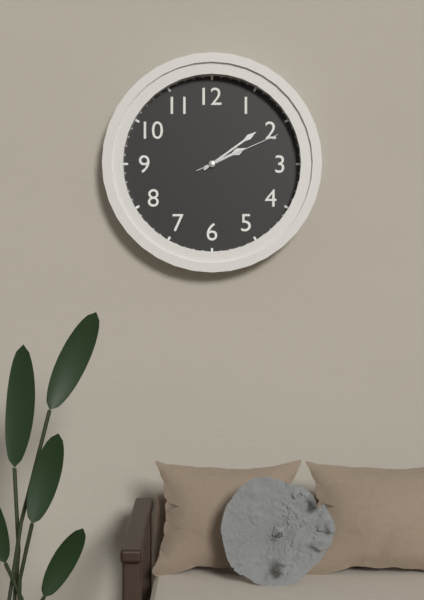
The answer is {"hour": 2, "minute": 9, "second": 11}
